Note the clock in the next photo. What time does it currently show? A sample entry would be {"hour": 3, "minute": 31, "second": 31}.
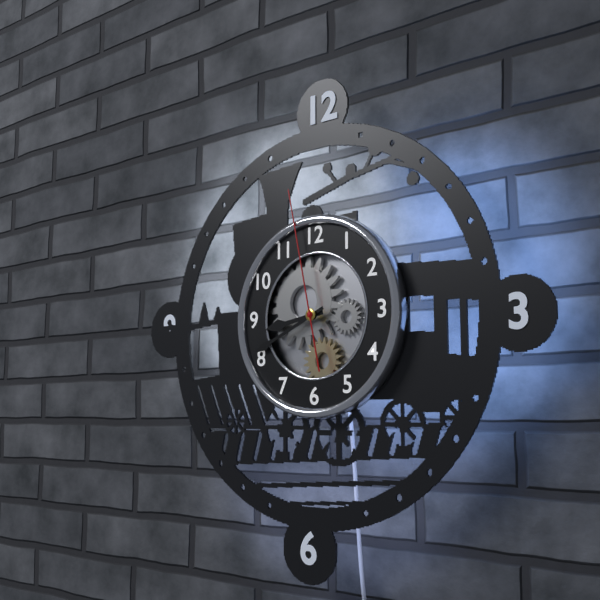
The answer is {"hour": 8, "minute": 41, "second": 58}
